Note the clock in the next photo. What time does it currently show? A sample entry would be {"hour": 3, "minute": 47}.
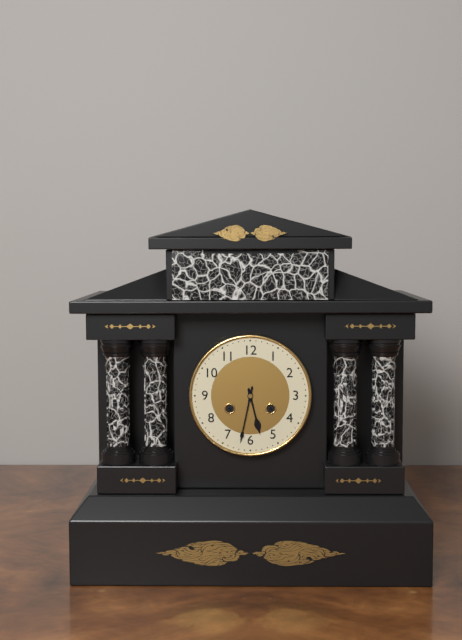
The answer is {"hour": 5, "minute": 32}
